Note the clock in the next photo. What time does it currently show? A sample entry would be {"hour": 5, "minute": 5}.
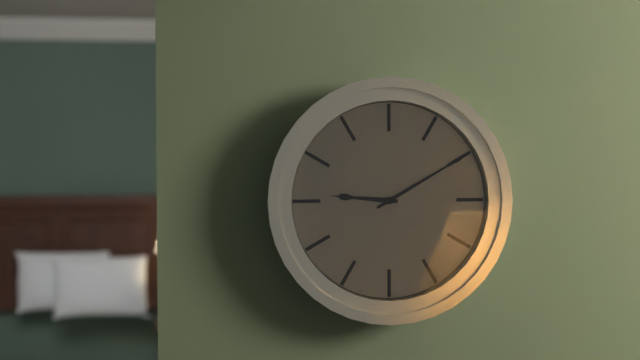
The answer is {"hour": 9, "minute": 10}
